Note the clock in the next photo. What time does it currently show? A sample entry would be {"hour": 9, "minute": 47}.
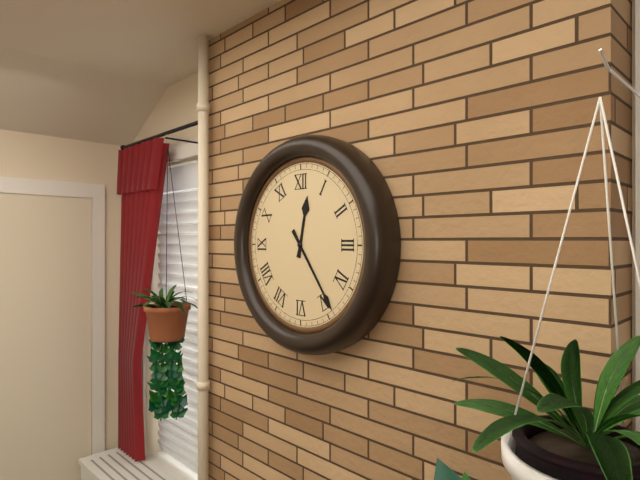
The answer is {"hour": 12, "minute": 24}
